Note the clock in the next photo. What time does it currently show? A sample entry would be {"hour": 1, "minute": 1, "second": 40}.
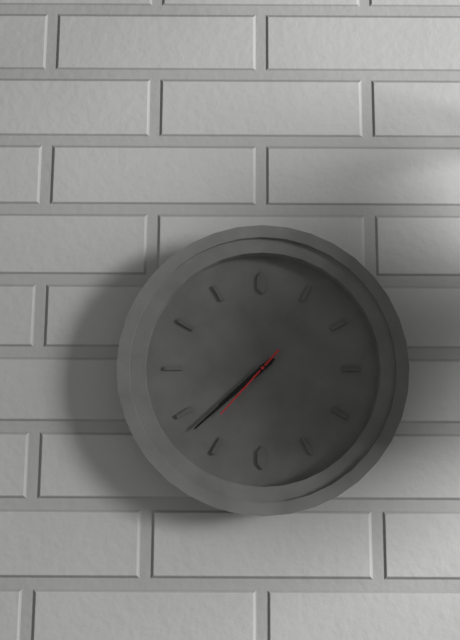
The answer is {"hour": 7, "minute": 38, "second": 37}
